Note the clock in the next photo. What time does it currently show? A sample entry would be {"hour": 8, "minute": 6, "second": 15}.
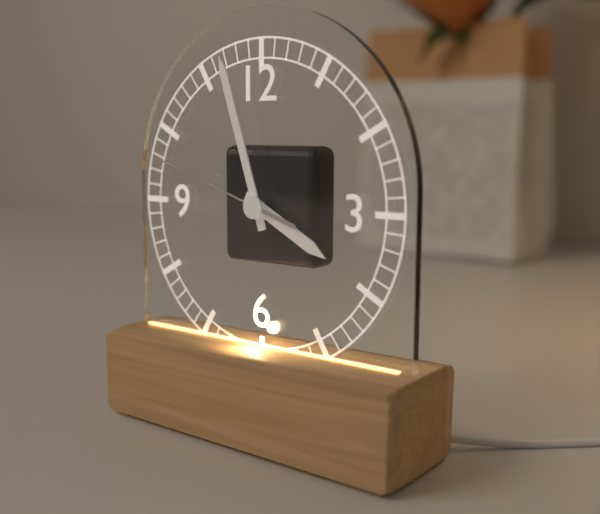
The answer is {"hour": 3, "minute": 57, "second": 48}
